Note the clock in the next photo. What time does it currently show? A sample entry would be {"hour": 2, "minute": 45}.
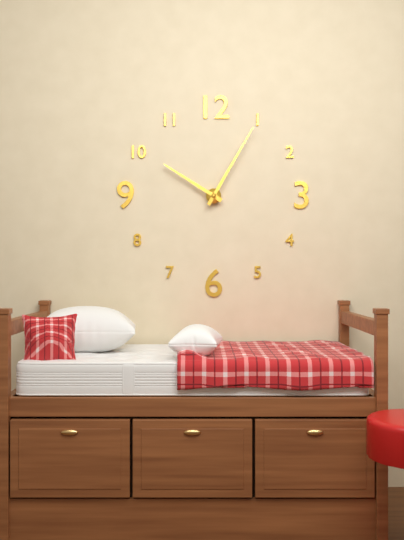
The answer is {"hour": 10, "minute": 5}
